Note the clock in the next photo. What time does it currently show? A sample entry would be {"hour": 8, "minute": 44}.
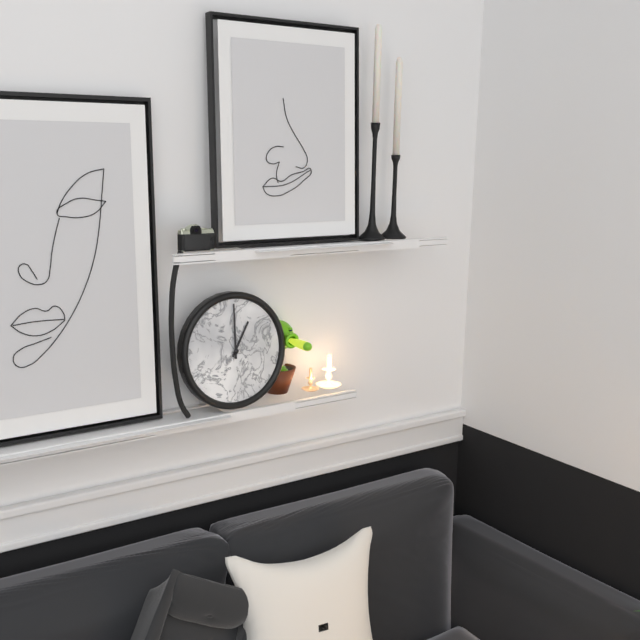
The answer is {"hour": 1, "minute": 0}
